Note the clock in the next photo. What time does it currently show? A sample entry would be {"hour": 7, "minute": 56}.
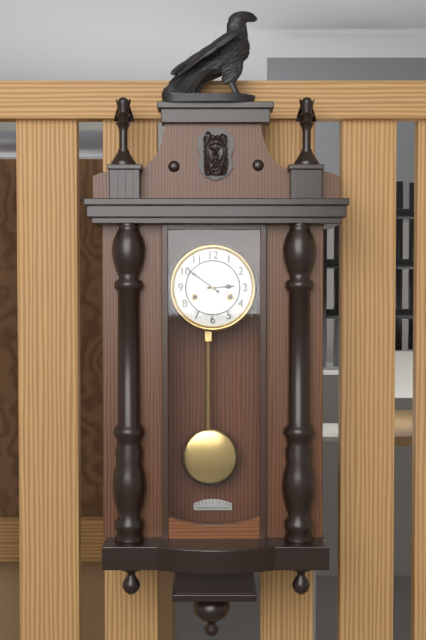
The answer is {"hour": 2, "minute": 51}
